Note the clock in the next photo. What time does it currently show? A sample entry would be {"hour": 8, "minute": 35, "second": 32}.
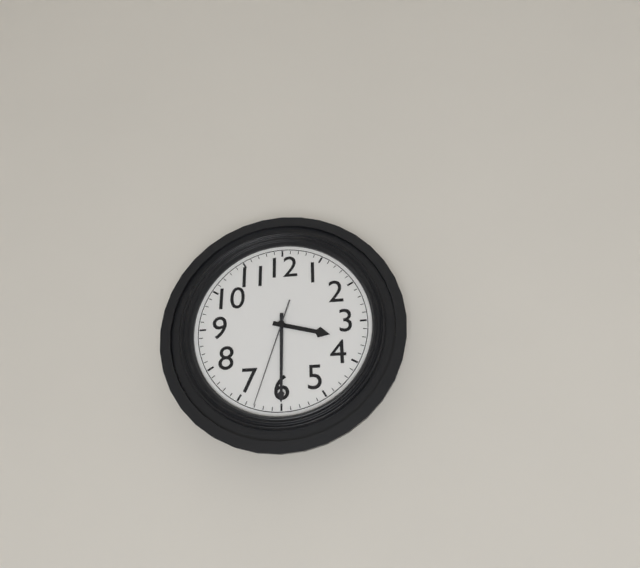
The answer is {"hour": 3, "minute": 30, "second": 33}
